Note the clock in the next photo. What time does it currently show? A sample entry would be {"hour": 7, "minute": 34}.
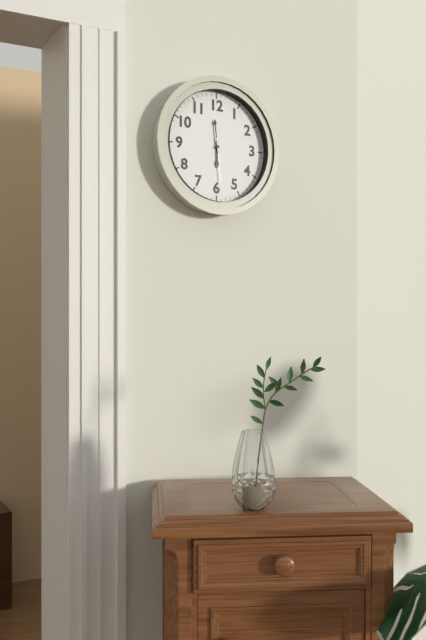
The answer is {"hour": 5, "minute": 59}
